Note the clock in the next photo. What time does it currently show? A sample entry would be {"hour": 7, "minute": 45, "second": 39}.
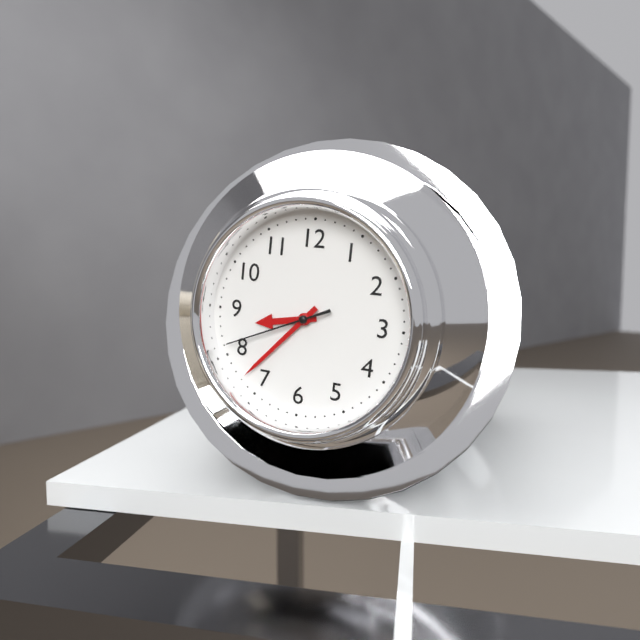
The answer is {"hour": 8, "minute": 37, "second": 41}
